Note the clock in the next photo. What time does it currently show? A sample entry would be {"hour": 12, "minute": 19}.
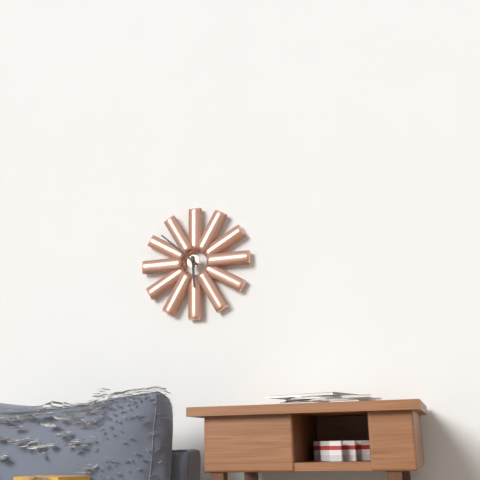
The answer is {"hour": 5, "minute": 52}
